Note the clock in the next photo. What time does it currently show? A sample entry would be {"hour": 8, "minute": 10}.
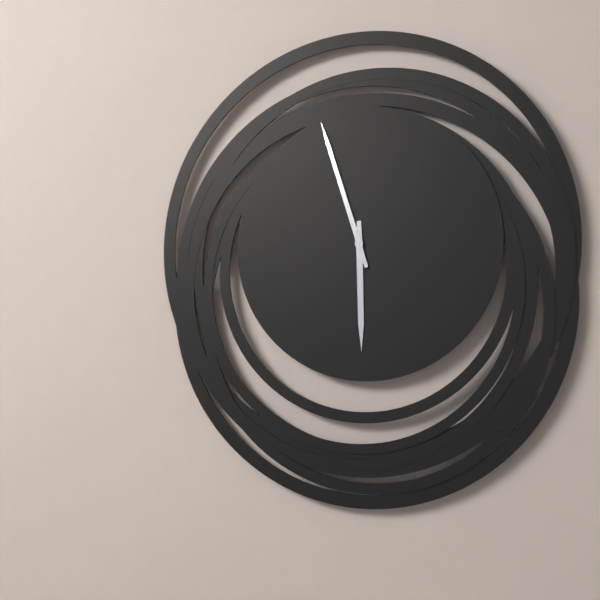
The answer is {"hour": 5, "minute": 57}
